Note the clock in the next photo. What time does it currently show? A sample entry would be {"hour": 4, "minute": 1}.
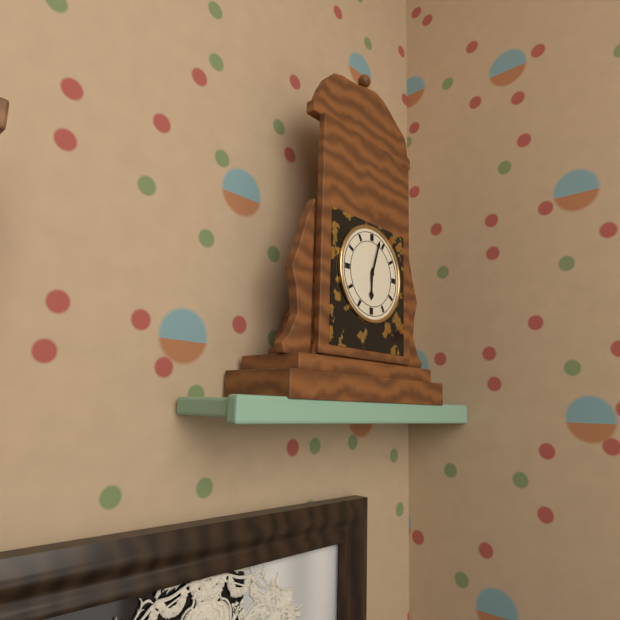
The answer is {"hour": 6, "minute": 3}
